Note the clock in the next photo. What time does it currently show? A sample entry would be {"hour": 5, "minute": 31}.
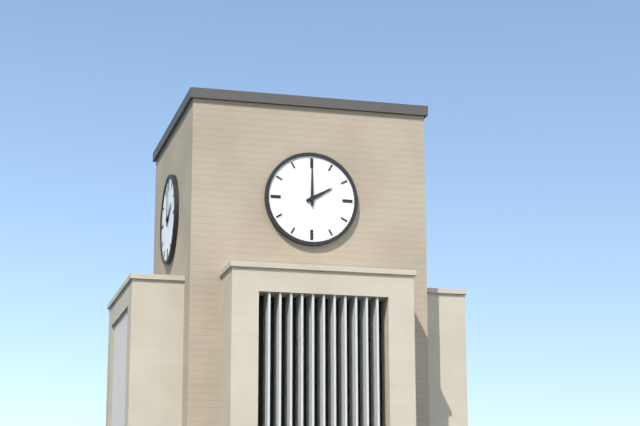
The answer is {"hour": 2, "minute": 0}
